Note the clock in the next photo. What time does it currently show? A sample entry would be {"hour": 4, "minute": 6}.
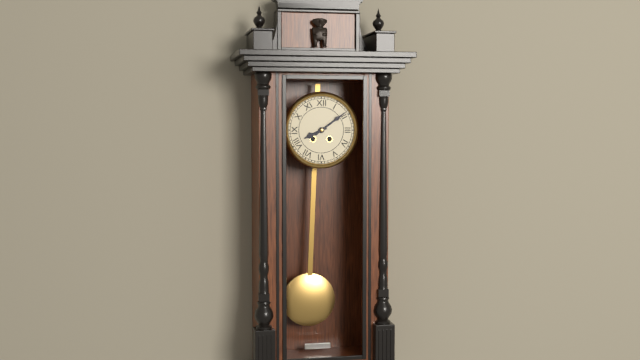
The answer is {"hour": 8, "minute": 9}
